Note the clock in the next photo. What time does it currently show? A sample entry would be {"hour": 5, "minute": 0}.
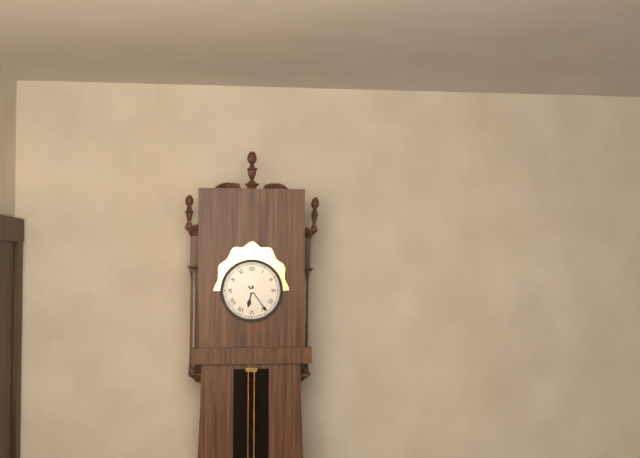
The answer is {"hour": 6, "minute": 24}
